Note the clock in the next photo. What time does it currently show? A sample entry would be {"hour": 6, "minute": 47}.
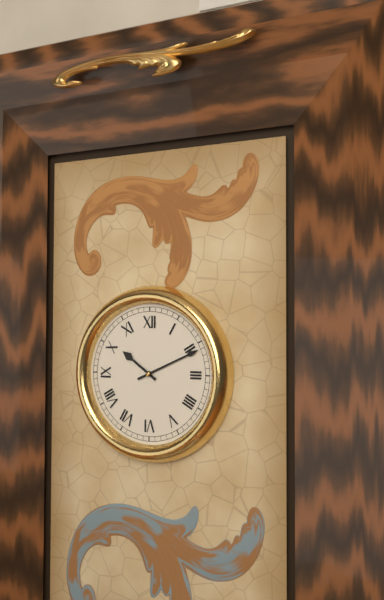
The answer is {"hour": 10, "minute": 11}
